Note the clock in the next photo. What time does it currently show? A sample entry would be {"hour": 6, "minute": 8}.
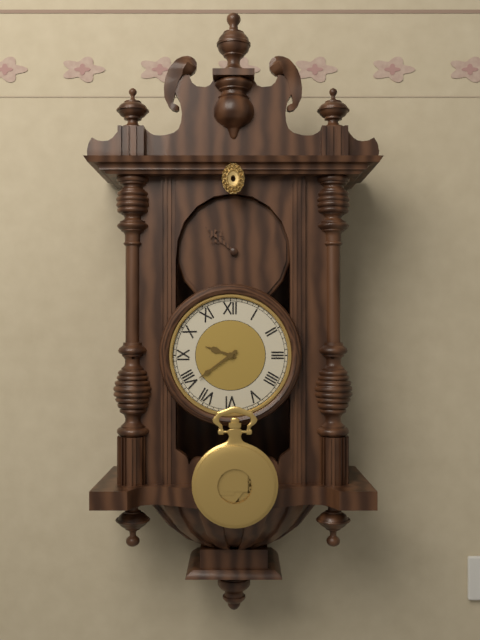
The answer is {"hour": 9, "minute": 39}
